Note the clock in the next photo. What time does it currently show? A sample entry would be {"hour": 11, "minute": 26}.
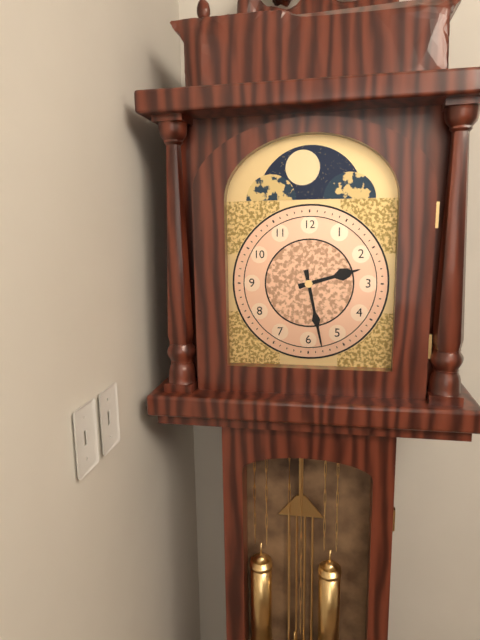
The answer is {"hour": 2, "minute": 28}
